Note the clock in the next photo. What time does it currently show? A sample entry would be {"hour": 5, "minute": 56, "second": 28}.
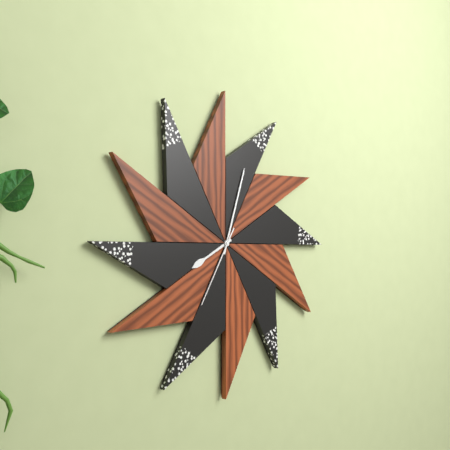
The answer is {"hour": 8, "minute": 3, "second": 35}
